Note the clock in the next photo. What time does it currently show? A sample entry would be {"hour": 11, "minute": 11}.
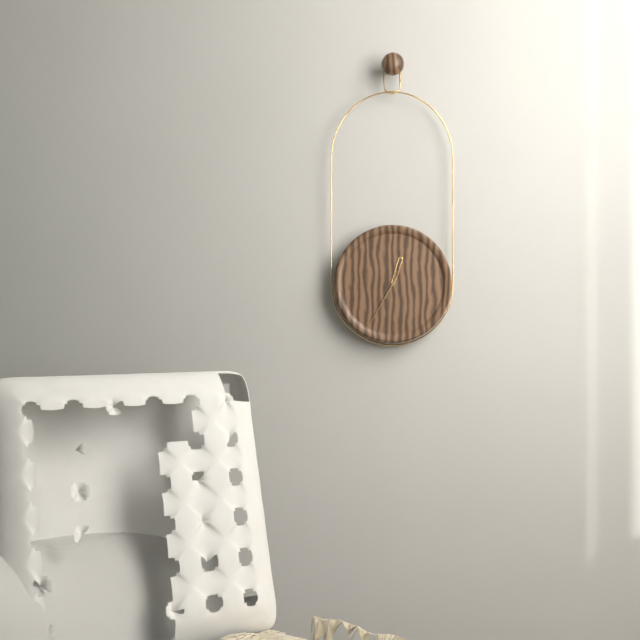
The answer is {"hour": 12, "minute": 35}
